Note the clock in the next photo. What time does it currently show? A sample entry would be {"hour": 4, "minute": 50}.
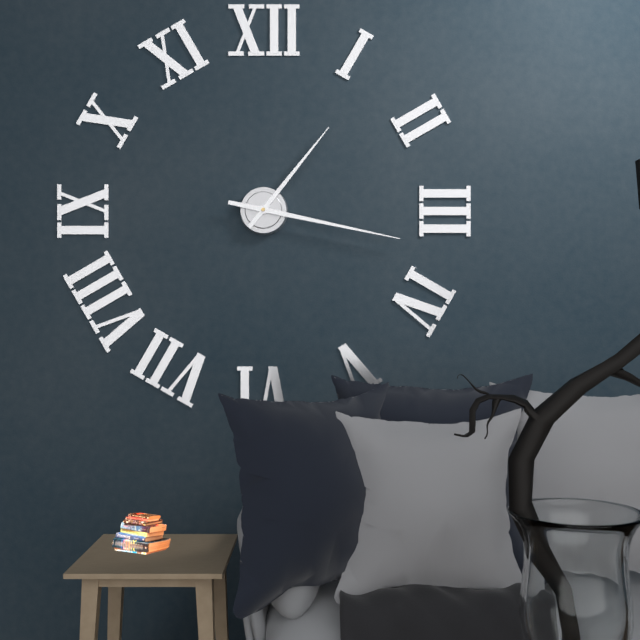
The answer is {"hour": 1, "minute": 17}
